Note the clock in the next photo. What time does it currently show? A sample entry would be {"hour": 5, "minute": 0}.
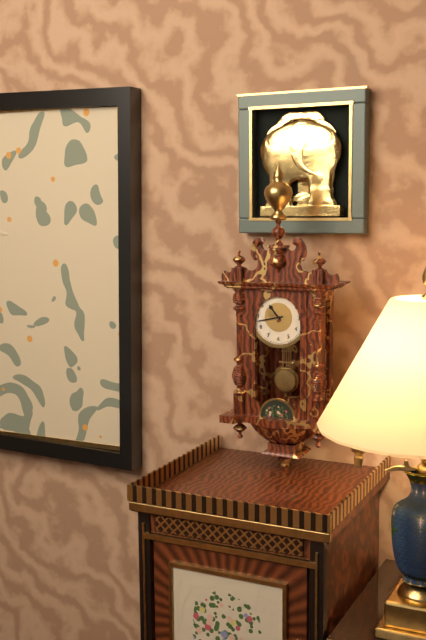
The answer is {"hour": 10, "minute": 43}
